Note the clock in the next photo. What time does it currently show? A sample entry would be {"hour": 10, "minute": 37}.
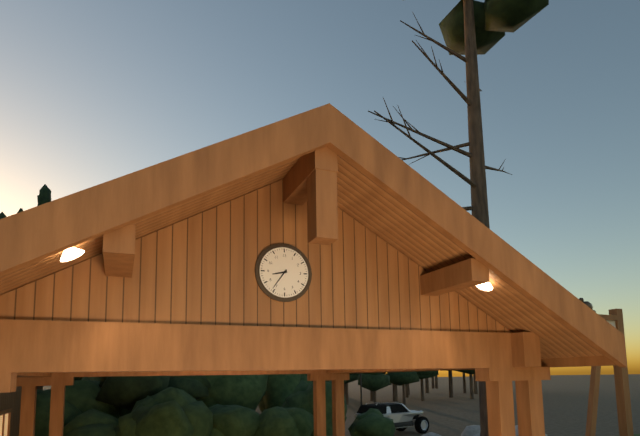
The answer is {"hour": 8, "minute": 36}
